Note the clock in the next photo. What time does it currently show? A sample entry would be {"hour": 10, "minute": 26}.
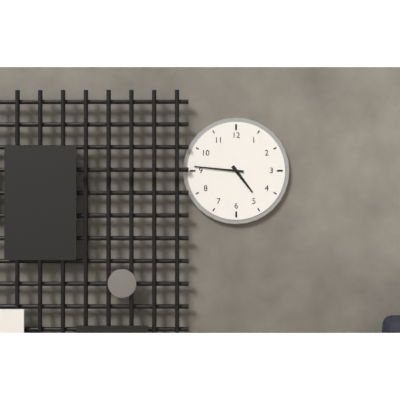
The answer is {"hour": 4, "minute": 46}
